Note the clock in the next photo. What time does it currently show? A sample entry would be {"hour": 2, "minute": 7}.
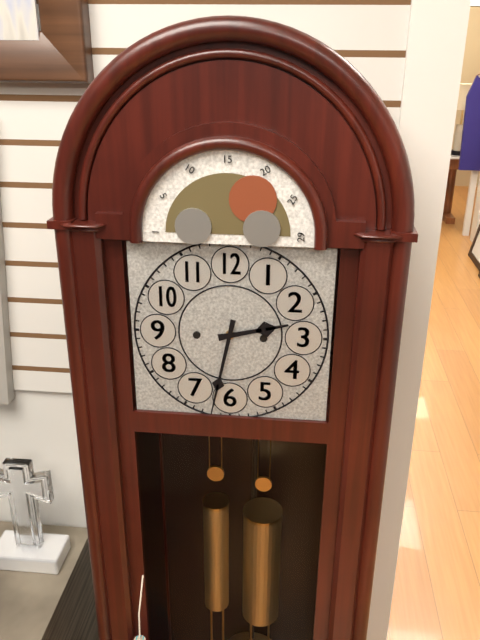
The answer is {"hour": 2, "minute": 32}
